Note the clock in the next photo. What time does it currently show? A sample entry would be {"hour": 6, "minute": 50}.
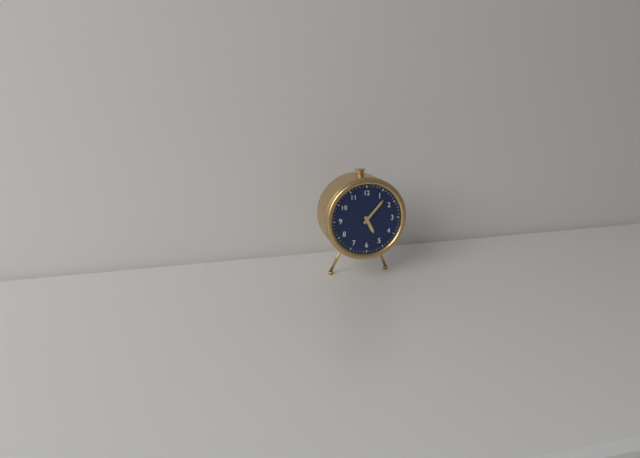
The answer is {"hour": 5, "minute": 7}
